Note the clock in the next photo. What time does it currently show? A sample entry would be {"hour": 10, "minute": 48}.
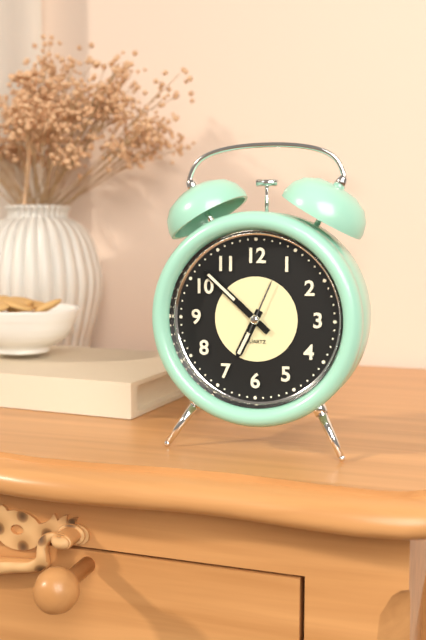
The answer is {"hour": 6, "minute": 52}
